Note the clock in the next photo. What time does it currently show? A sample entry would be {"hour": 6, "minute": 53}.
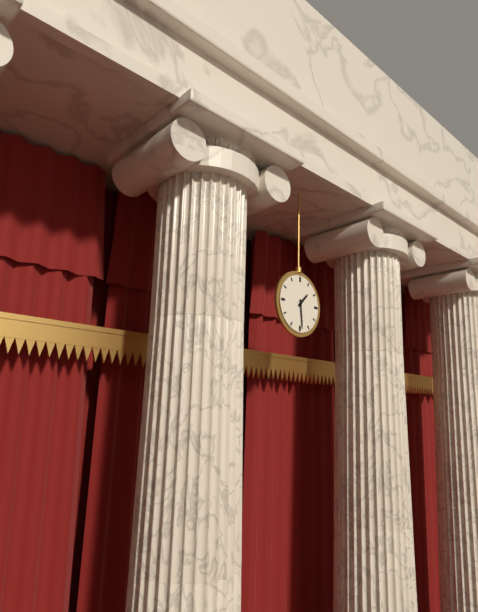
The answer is {"hour": 1, "minute": 29}
